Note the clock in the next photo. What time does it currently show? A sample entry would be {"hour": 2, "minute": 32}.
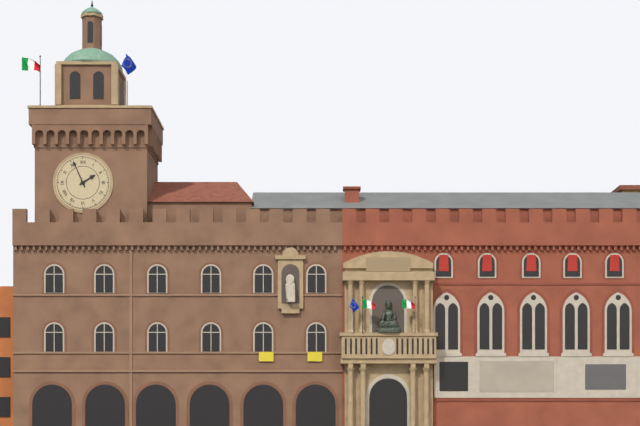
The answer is {"hour": 1, "minute": 56}
